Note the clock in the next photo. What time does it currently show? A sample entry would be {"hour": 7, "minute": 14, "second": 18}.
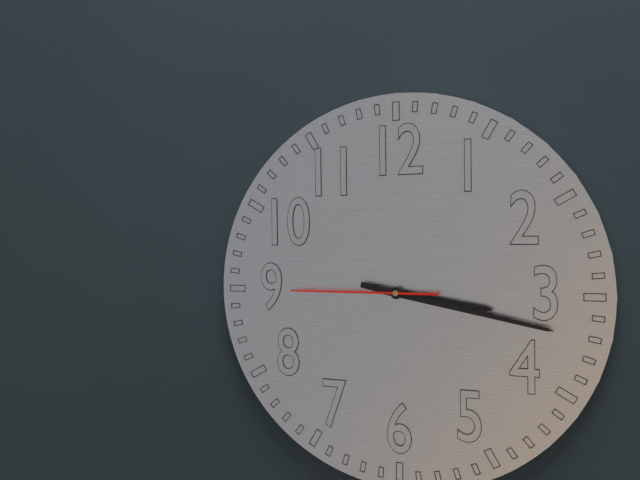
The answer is {"hour": 3, "minute": 17, "second": 45}
